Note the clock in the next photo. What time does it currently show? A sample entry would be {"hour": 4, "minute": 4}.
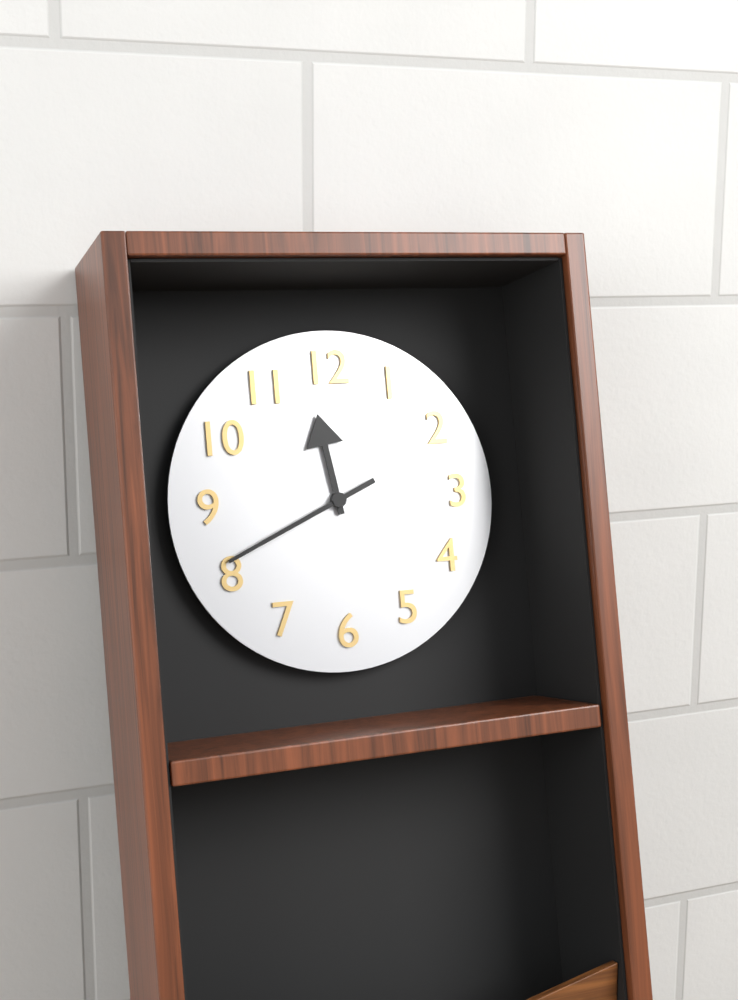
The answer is {"hour": 11, "minute": 41}
